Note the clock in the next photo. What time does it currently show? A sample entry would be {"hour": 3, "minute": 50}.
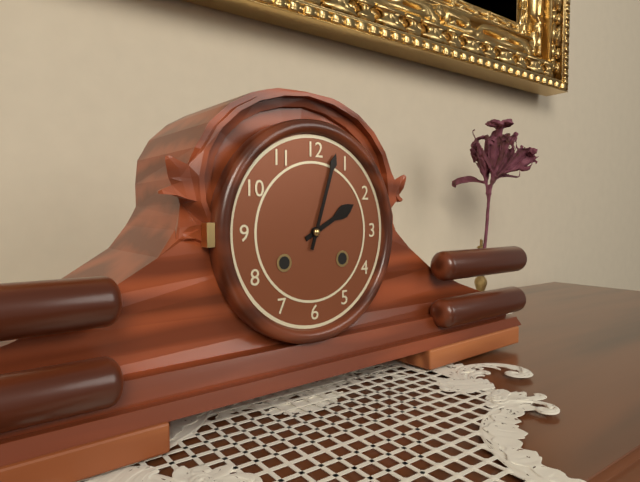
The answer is {"hour": 2, "minute": 3}
